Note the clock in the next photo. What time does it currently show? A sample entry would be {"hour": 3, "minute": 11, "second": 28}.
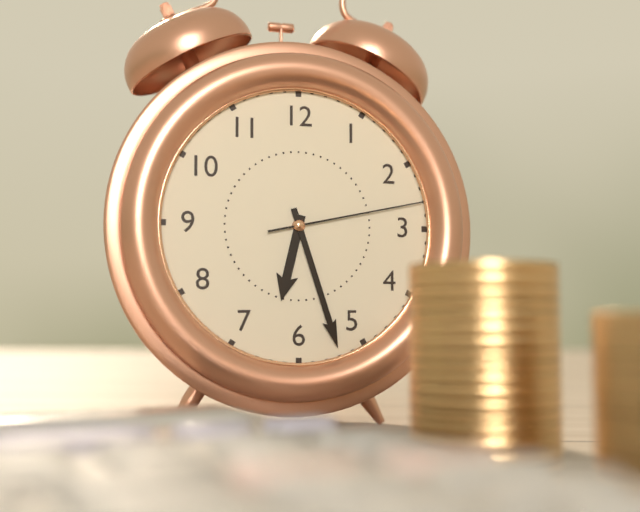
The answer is {"hour": 6, "minute": 27, "second": 13}
